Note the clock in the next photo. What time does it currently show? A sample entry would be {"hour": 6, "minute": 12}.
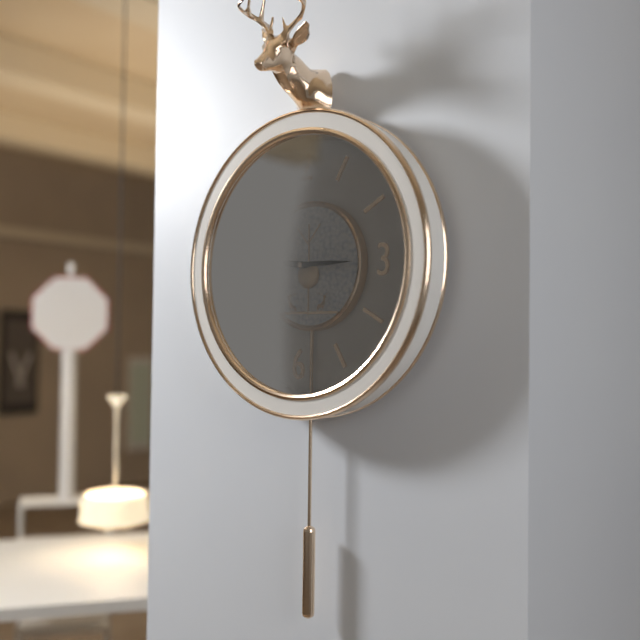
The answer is {"hour": 9, "minute": 15}
